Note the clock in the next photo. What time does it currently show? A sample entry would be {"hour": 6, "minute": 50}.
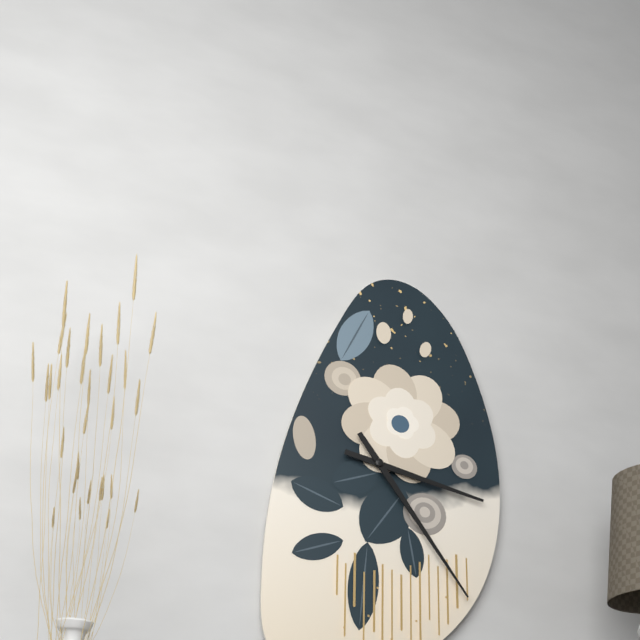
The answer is {"hour": 3, "minute": 24}
